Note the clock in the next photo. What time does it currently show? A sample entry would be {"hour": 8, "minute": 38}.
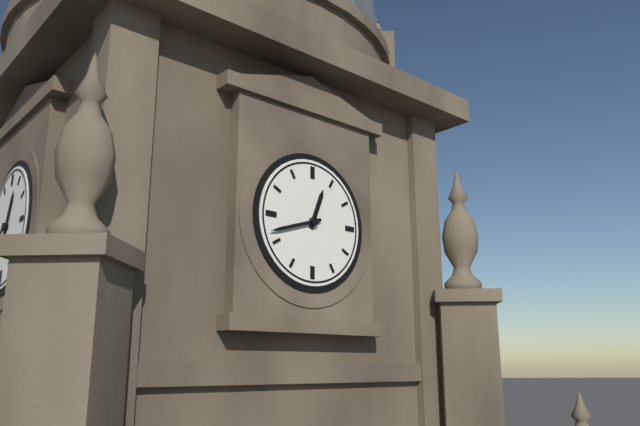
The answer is {"hour": 12, "minute": 42}
